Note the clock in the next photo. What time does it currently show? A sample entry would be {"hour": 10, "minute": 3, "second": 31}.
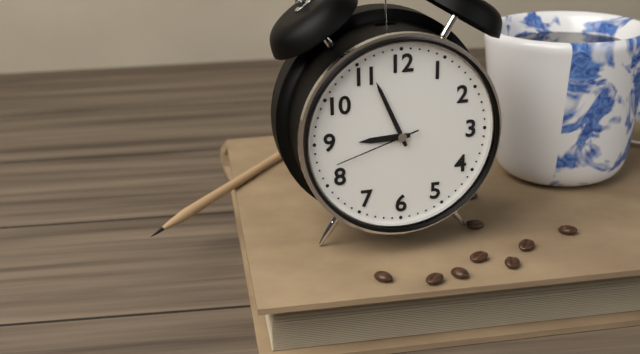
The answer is {"hour": 8, "minute": 56, "second": 42}
